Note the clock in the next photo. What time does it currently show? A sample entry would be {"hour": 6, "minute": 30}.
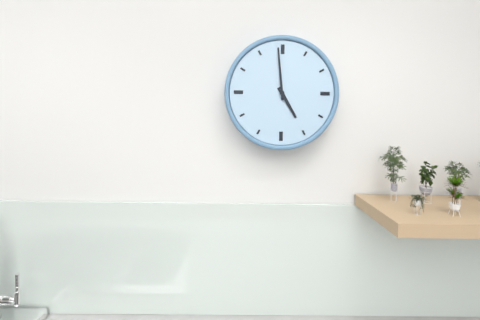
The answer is {"hour": 4, "minute": 59}
